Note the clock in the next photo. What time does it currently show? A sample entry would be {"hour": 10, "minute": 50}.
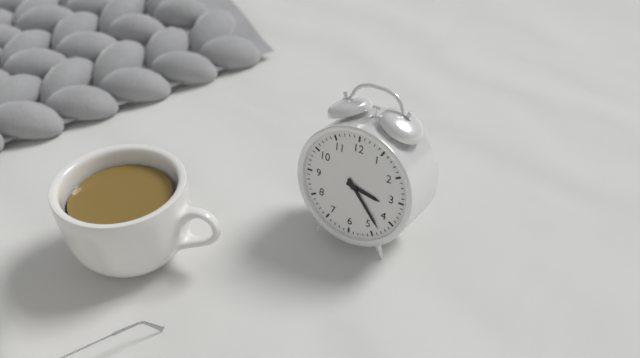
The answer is {"hour": 3, "minute": 23}
